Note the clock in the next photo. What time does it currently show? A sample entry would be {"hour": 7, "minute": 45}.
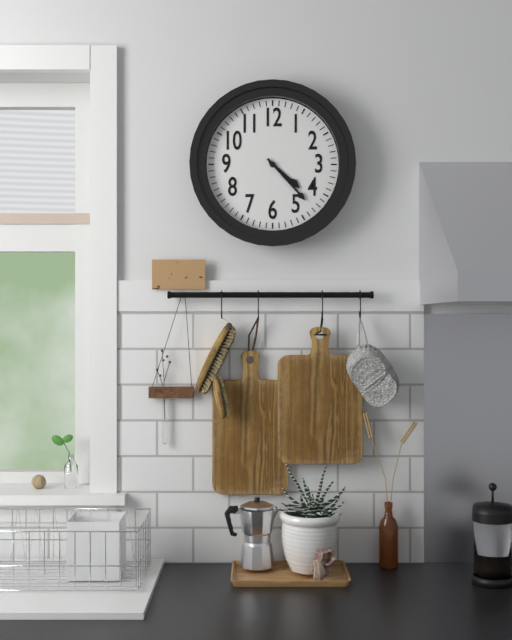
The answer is {"hour": 4, "minute": 23}
